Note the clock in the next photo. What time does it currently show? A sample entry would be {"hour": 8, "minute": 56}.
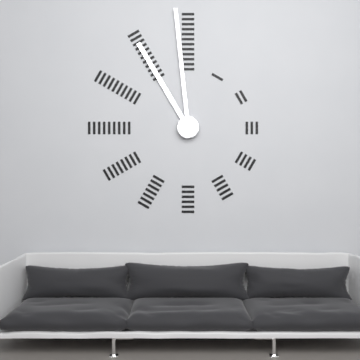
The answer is {"hour": 10, "minute": 59}
